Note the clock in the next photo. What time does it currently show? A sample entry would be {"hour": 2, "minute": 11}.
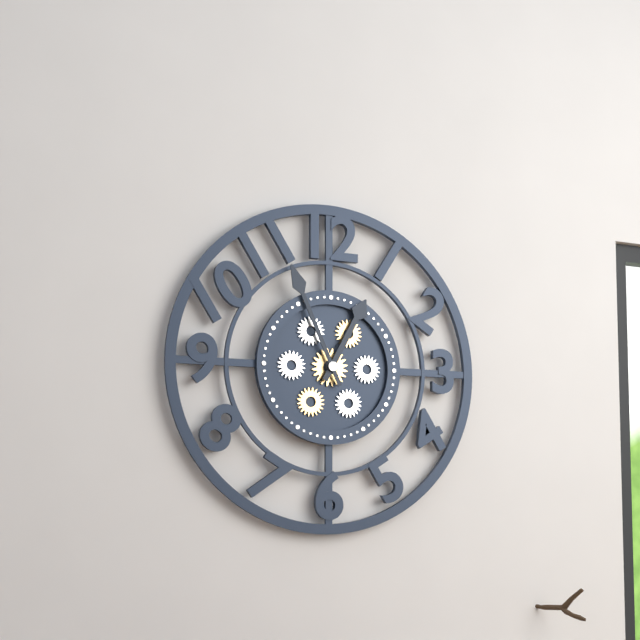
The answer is {"hour": 12, "minute": 56}
